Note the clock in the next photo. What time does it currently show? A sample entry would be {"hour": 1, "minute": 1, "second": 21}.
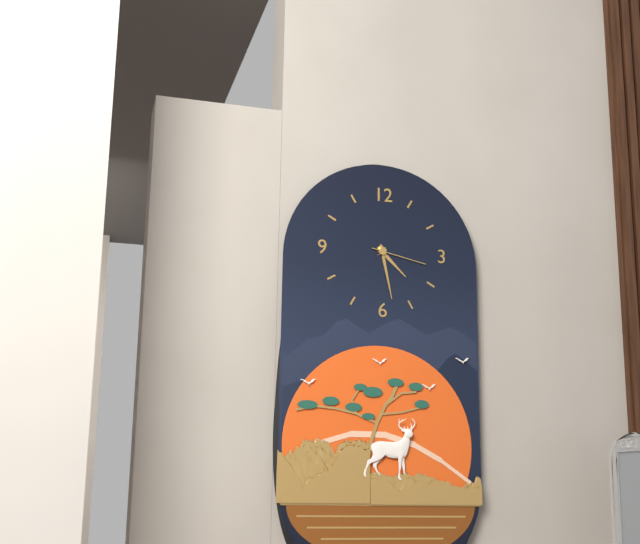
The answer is {"hour": 4, "minute": 28, "second": 17}
